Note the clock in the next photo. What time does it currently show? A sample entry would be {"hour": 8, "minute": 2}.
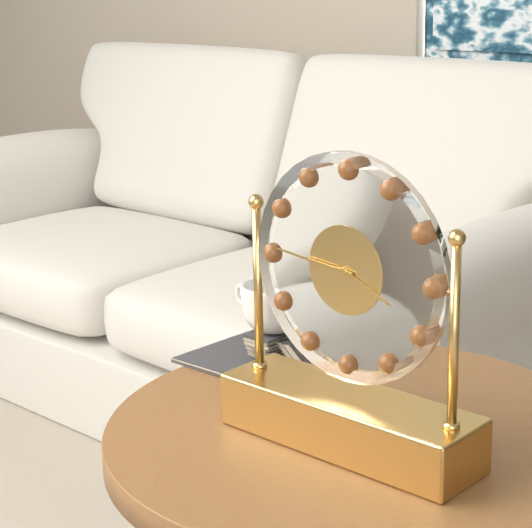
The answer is {"hour": 3, "minute": 46}
